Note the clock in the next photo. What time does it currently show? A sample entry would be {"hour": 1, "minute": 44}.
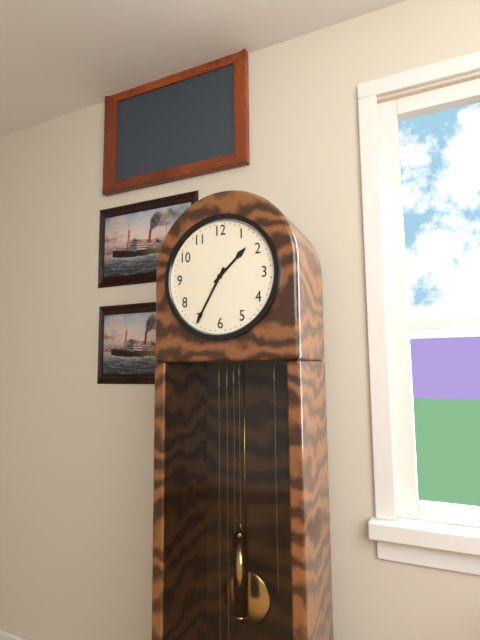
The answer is {"hour": 1, "minute": 35}
